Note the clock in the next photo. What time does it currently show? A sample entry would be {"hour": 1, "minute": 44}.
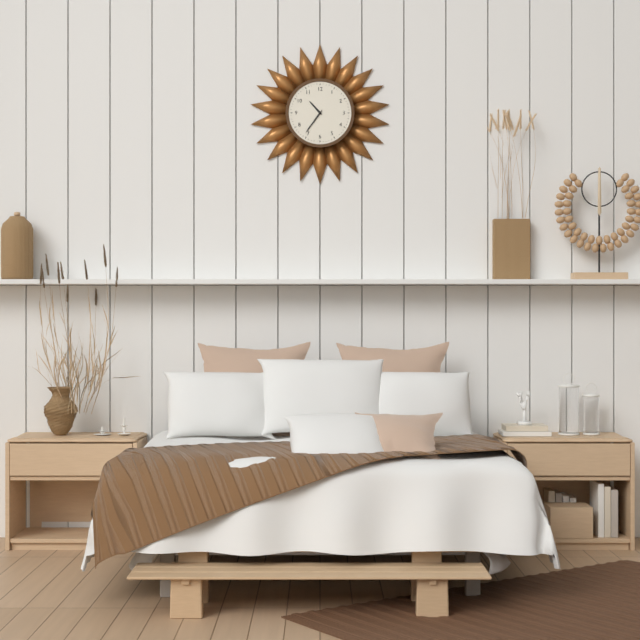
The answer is {"hour": 10, "minute": 36}
